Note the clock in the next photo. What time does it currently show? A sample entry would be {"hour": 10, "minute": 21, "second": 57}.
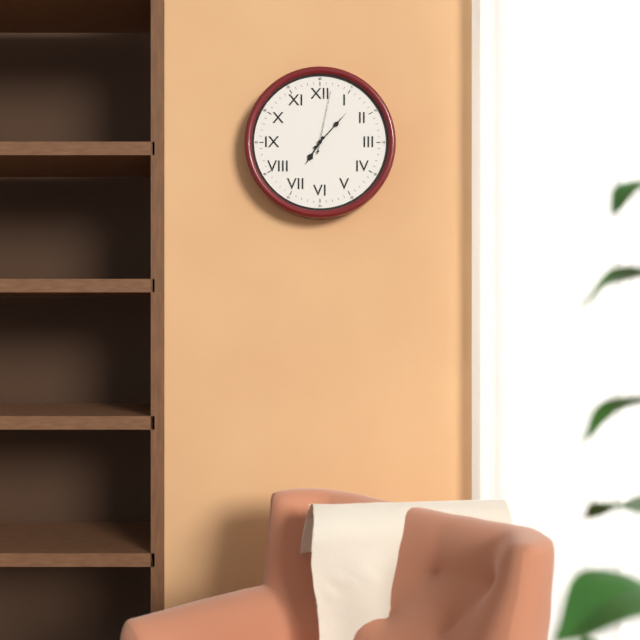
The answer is {"hour": 7, "minute": 7, "second": 2}
